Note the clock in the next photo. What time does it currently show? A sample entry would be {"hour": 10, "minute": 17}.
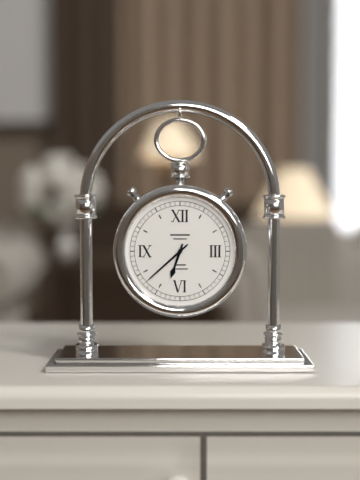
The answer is {"hour": 6, "minute": 38}
